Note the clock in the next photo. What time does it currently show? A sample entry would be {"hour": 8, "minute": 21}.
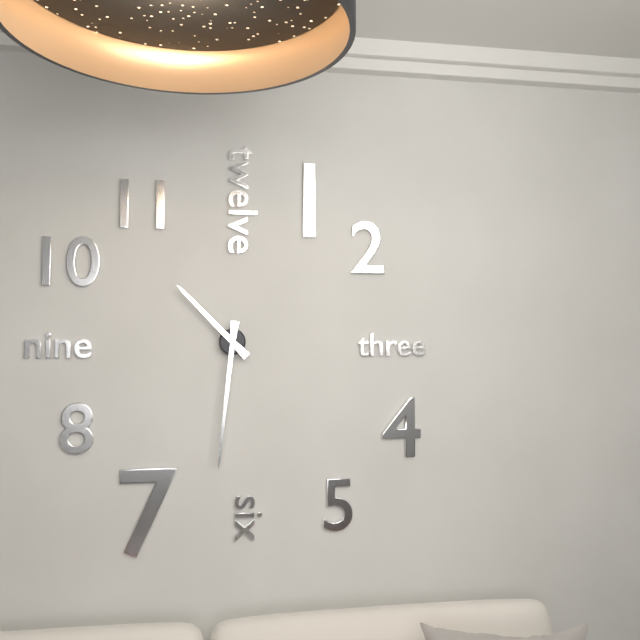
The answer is {"hour": 10, "minute": 31}
